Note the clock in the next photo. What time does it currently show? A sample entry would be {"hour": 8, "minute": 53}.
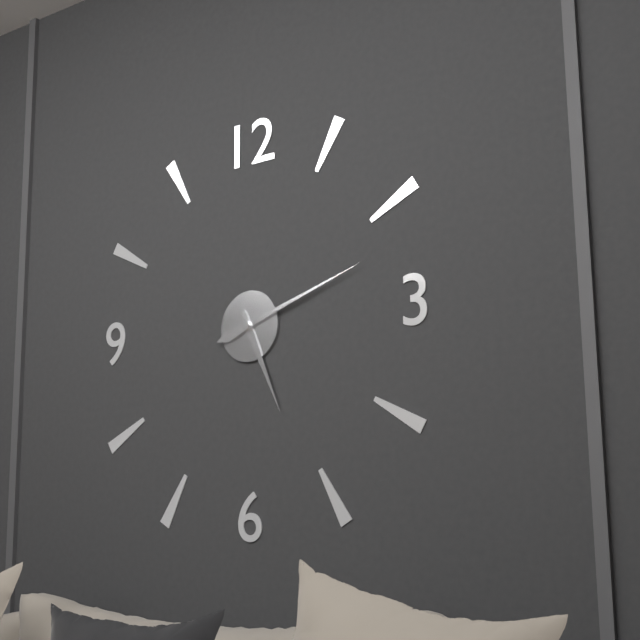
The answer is {"hour": 5, "minute": 12}
